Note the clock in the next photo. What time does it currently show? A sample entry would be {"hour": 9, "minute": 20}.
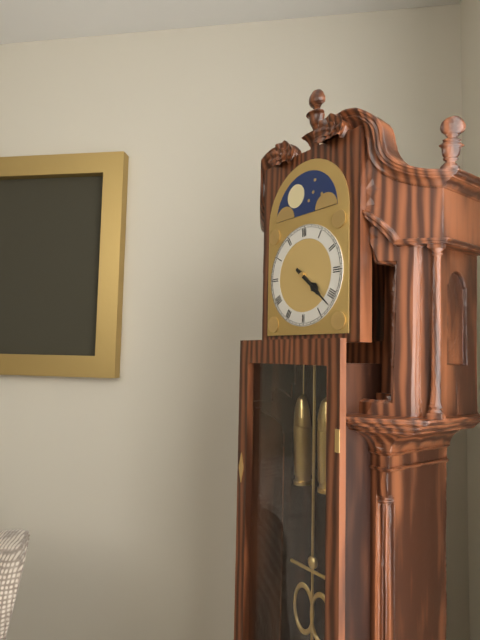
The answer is {"hour": 4, "minute": 22}
